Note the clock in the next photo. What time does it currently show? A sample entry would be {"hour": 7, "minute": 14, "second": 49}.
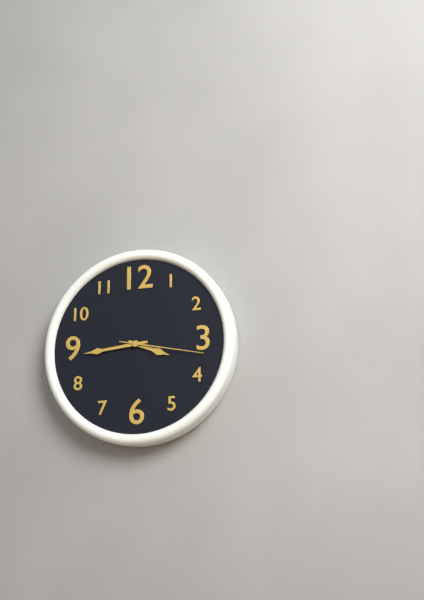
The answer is {"hour": 3, "minute": 44, "second": 17}
